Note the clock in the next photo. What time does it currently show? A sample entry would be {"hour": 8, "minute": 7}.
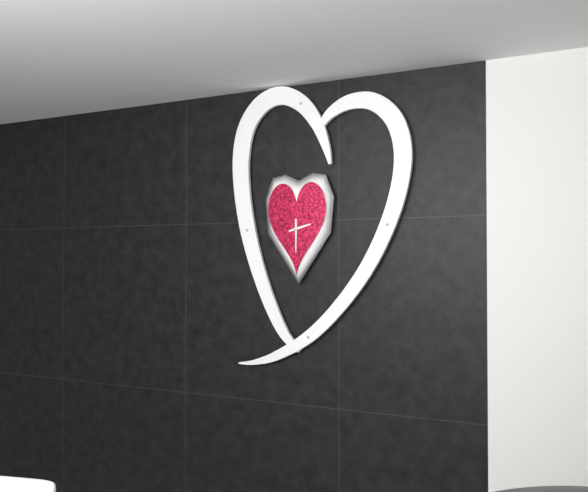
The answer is {"hour": 2, "minute": 30}
